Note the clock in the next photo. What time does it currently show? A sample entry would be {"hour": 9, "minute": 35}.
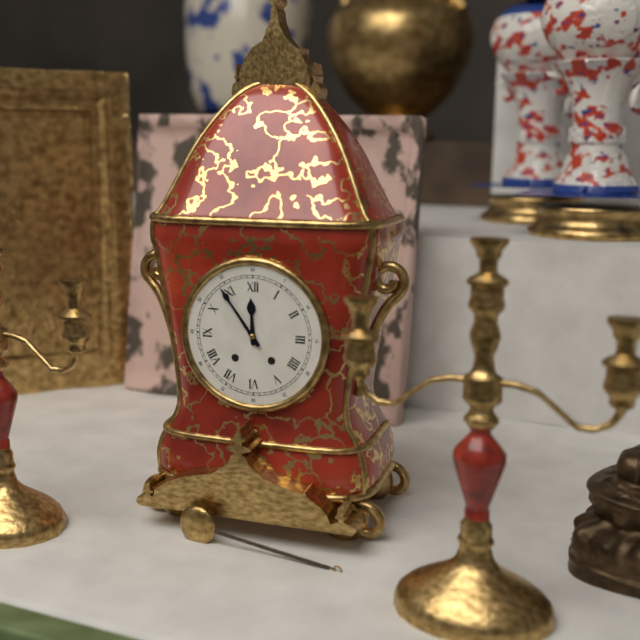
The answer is {"hour": 11, "minute": 54}
